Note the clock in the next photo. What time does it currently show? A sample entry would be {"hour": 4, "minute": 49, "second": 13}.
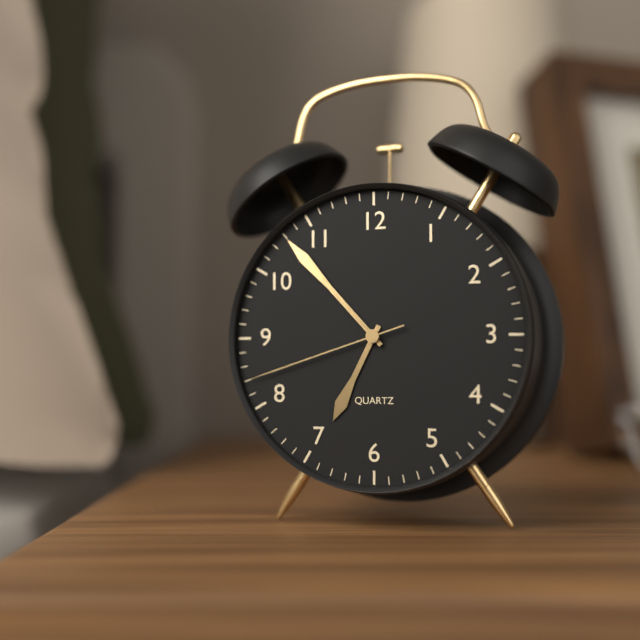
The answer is {"hour": 6, "minute": 53, "second": 42}
